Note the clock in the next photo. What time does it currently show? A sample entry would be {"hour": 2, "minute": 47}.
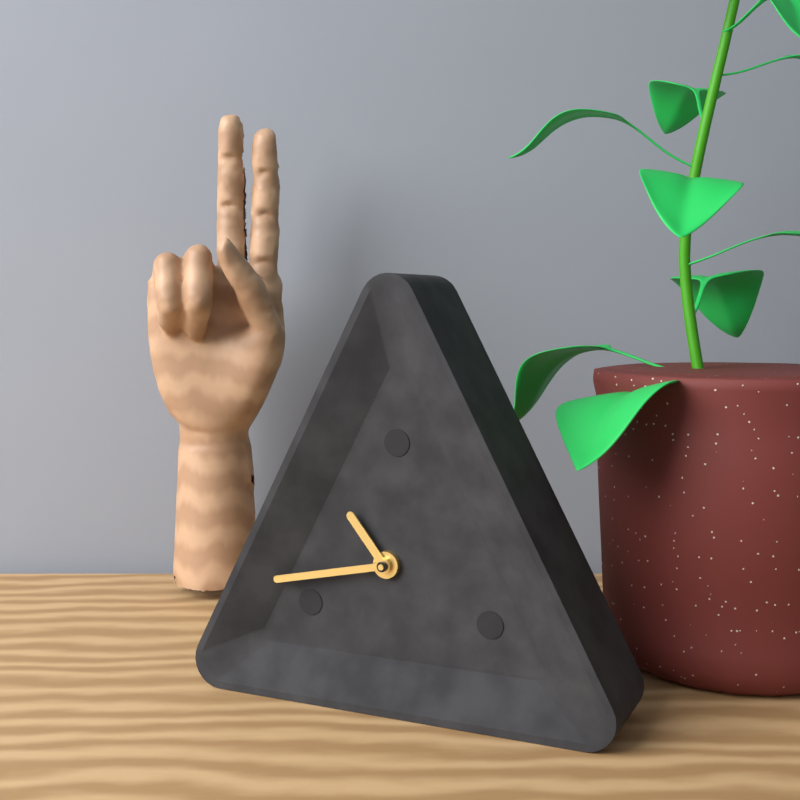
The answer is {"hour": 10, "minute": 43}
